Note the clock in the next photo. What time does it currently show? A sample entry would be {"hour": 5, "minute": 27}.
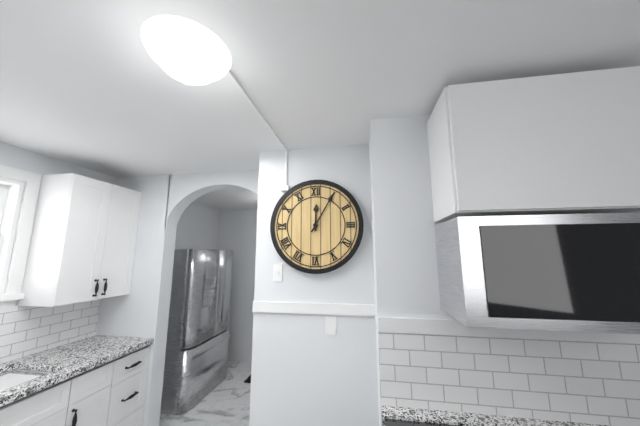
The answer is {"hour": 12, "minute": 5}
